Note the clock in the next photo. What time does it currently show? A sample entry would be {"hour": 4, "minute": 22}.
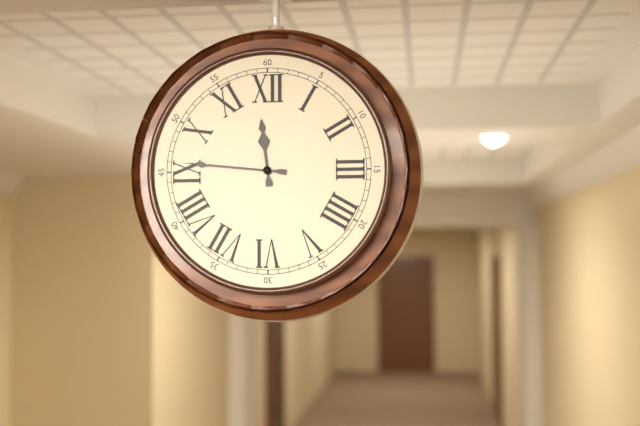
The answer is {"hour": 11, "minute": 46}
